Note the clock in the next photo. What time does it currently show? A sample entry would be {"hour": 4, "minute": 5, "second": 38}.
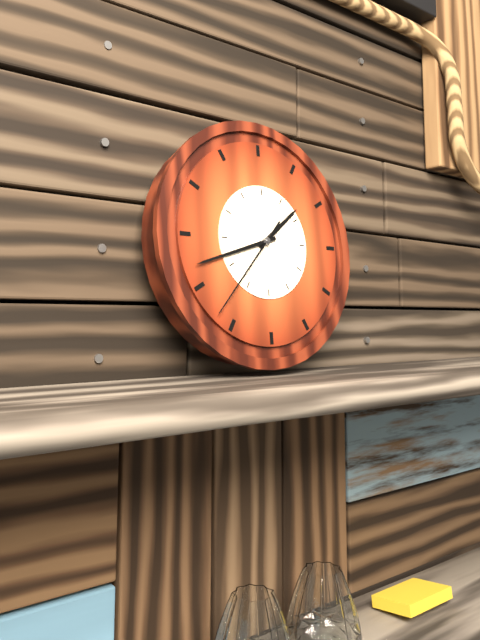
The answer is {"hour": 1, "minute": 42, "second": 37}
